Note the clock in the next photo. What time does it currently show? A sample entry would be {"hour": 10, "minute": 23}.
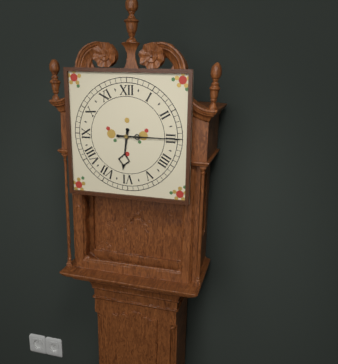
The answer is {"hour": 6, "minute": 15}
